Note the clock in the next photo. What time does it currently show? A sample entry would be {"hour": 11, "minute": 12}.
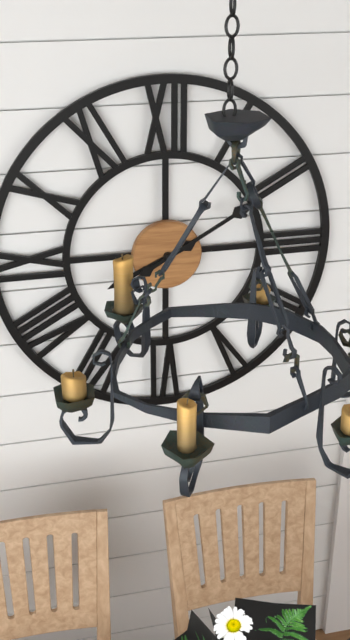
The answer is {"hour": 8, "minute": 10}
